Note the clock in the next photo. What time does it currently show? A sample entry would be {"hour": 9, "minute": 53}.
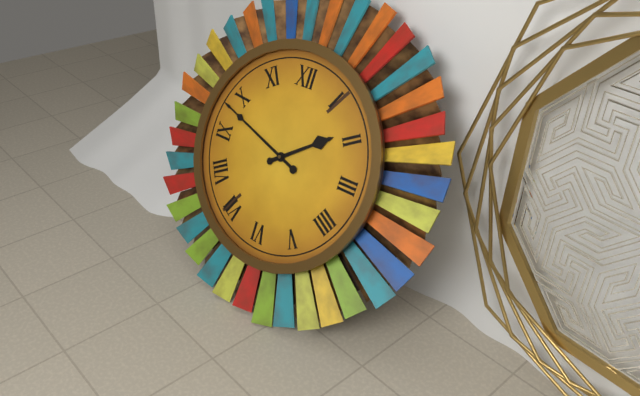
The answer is {"hour": 1, "minute": 48}
